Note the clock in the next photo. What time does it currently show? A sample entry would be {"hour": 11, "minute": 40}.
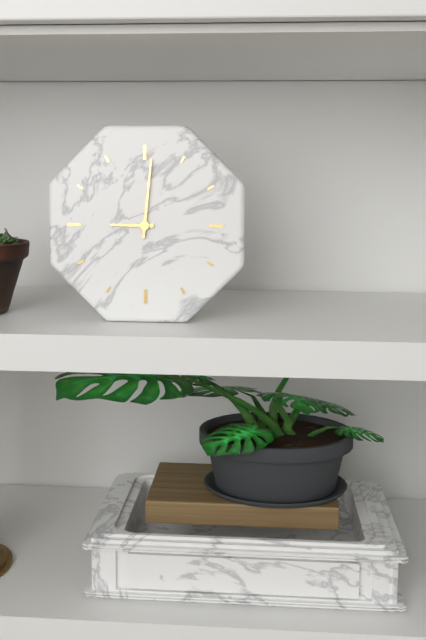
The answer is {"hour": 9, "minute": 1}
